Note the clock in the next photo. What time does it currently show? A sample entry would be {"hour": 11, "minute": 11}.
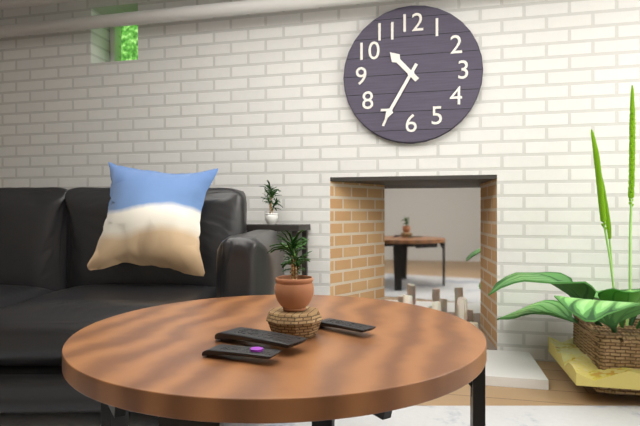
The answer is {"hour": 10, "minute": 35}
